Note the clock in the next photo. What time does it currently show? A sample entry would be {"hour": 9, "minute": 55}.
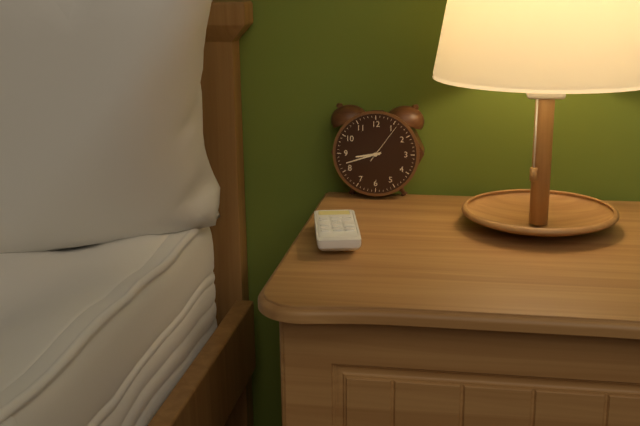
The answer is {"hour": 8, "minute": 42}
